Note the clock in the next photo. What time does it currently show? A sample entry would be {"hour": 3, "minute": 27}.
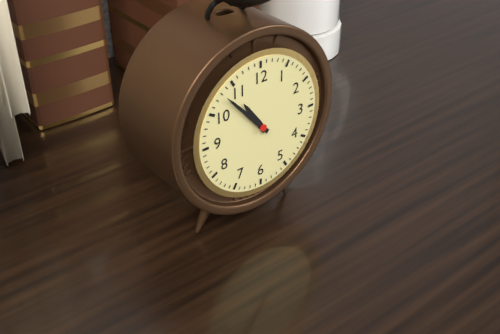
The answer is {"hour": 10, "minute": 53}
